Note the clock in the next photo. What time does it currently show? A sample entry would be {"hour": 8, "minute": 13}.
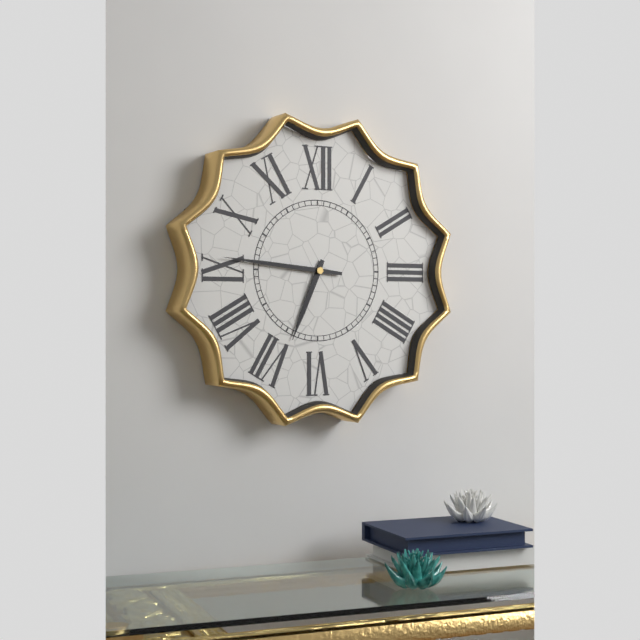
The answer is {"hour": 6, "minute": 46}
